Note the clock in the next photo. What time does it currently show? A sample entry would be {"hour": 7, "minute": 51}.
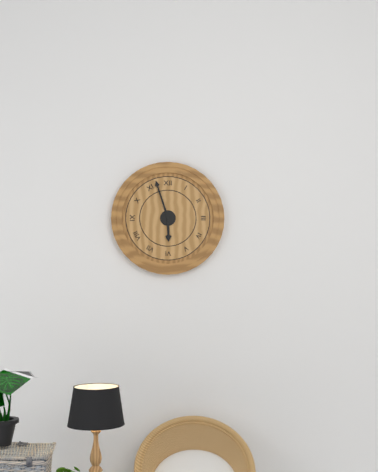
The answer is {"hour": 5, "minute": 57}
